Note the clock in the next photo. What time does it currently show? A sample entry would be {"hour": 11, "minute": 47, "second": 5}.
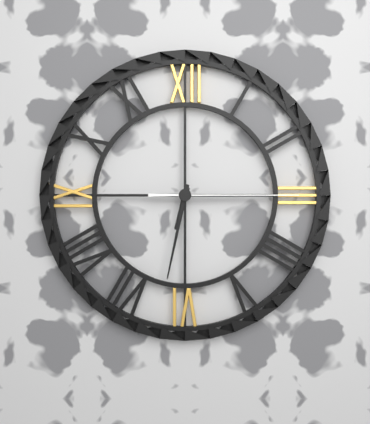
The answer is {"hour": 6, "minute": 32, "second": 15}
